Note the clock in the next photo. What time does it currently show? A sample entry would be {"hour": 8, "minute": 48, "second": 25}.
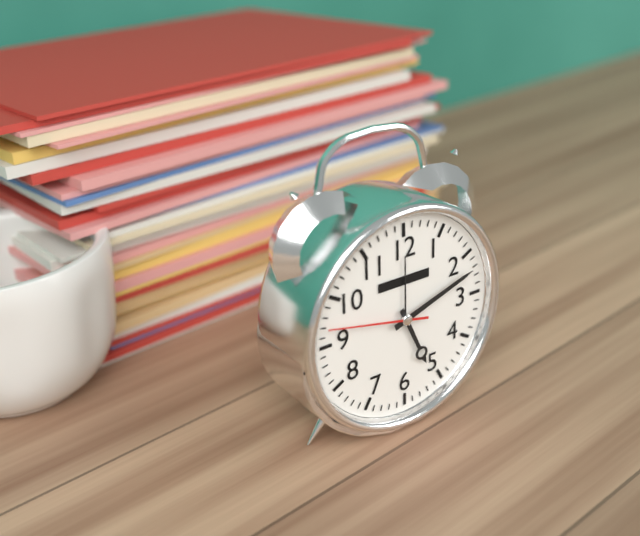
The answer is {"hour": 5, "minute": 12, "second": 47}
